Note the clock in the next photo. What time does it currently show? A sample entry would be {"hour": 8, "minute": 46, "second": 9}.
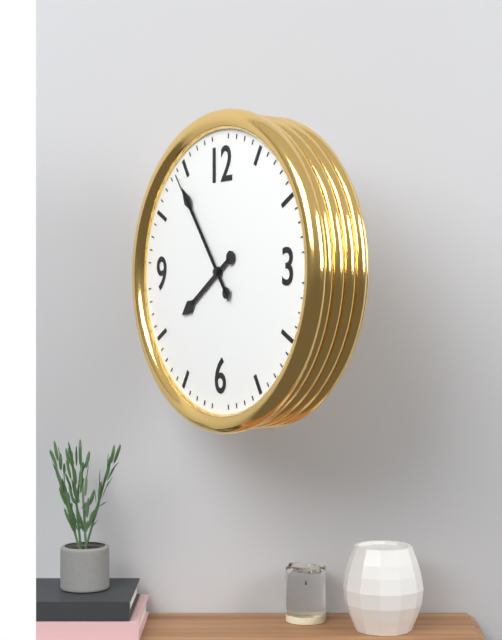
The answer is {"hour": 7, "minute": 54, "second": 54}
